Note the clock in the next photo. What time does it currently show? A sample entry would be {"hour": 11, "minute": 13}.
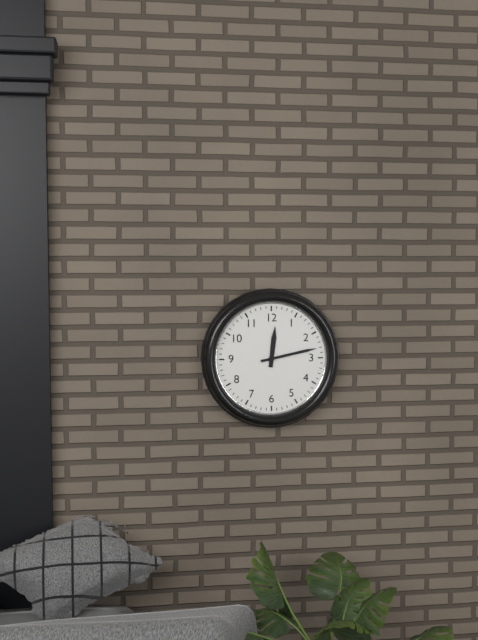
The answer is {"hour": 12, "minute": 13}
